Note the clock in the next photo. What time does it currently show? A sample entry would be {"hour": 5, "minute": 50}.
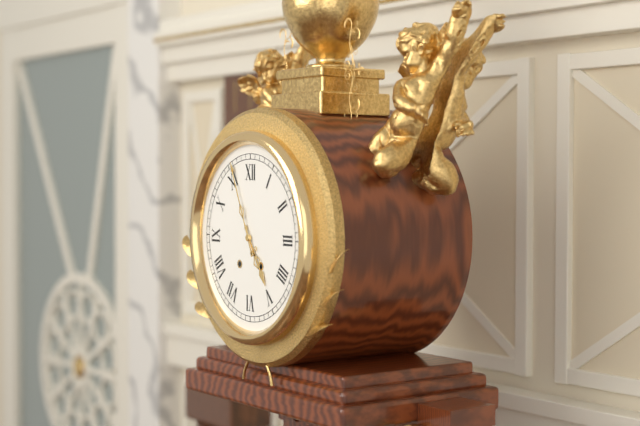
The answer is {"hour": 4, "minute": 56}
